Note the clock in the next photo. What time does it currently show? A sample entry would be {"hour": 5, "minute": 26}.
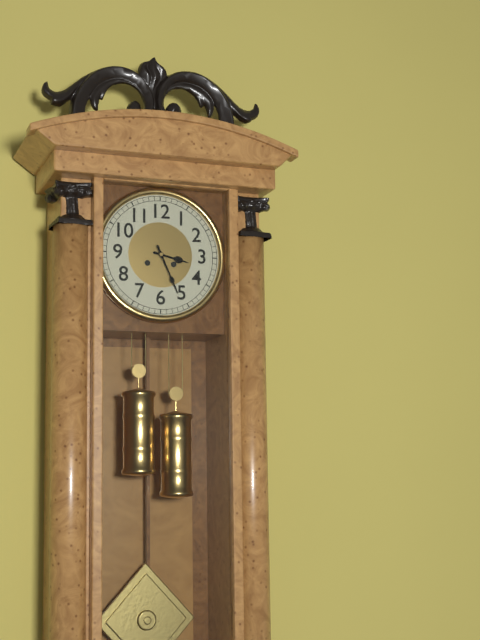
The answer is {"hour": 3, "minute": 26}
